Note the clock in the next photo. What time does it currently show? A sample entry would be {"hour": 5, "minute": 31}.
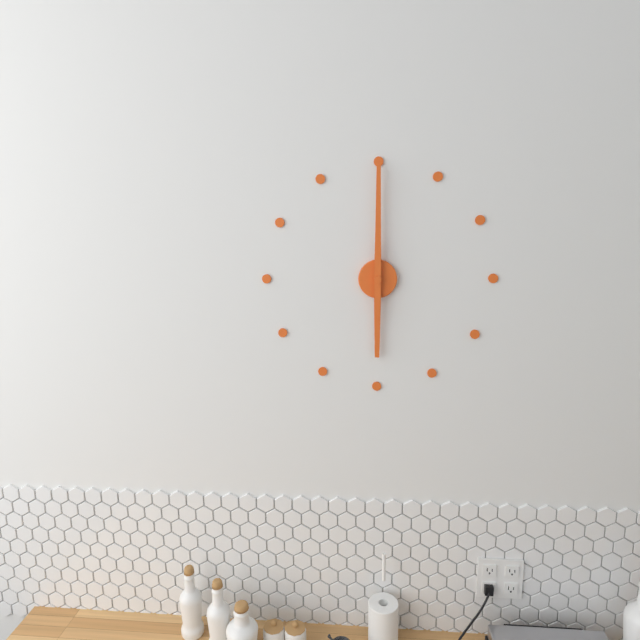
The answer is {"hour": 6, "minute": 0}
